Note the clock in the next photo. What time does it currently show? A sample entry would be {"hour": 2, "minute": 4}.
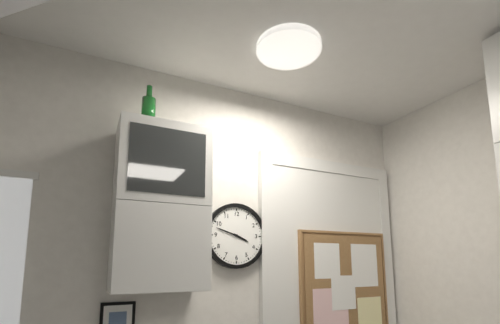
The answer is {"hour": 3, "minute": 48}
